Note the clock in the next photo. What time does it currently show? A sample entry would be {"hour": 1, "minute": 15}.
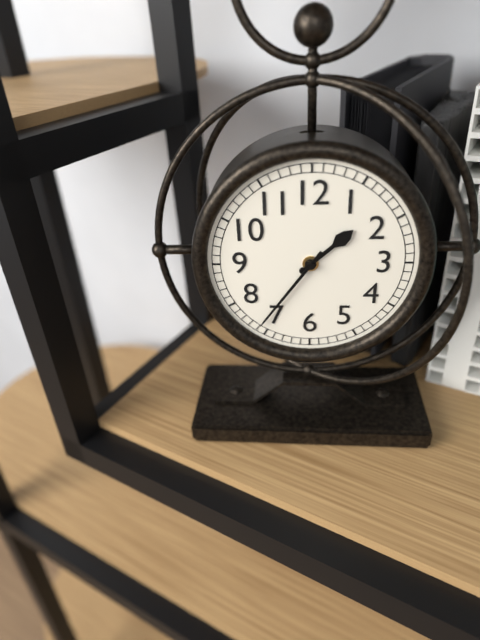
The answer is {"hour": 1, "minute": 36}
